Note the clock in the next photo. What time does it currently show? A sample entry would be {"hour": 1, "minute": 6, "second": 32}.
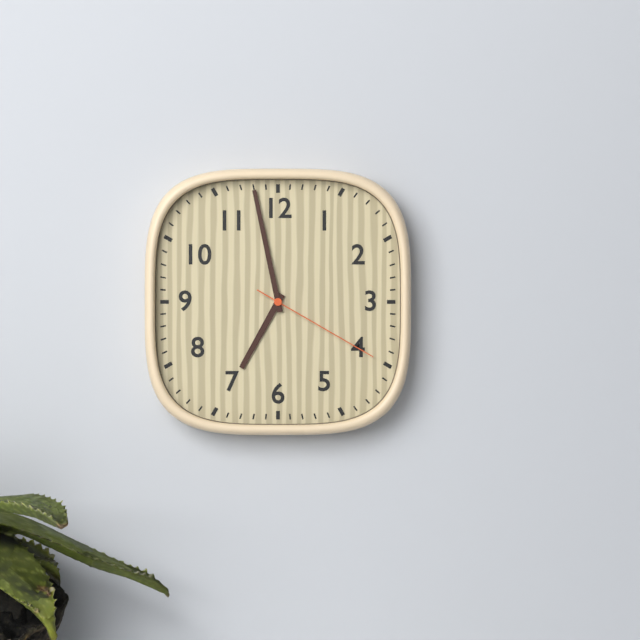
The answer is {"hour": 6, "minute": 58, "second": 20}
